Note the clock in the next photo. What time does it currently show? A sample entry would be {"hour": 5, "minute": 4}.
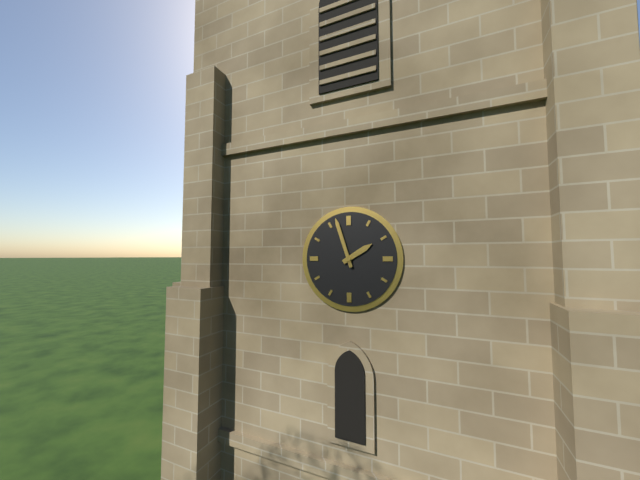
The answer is {"hour": 1, "minute": 57}
